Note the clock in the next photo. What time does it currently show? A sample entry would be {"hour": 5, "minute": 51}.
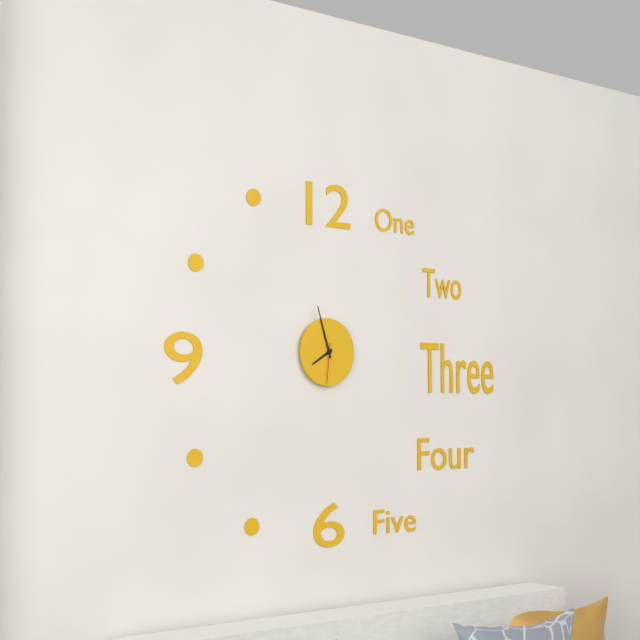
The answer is {"hour": 7, "minute": 57}
